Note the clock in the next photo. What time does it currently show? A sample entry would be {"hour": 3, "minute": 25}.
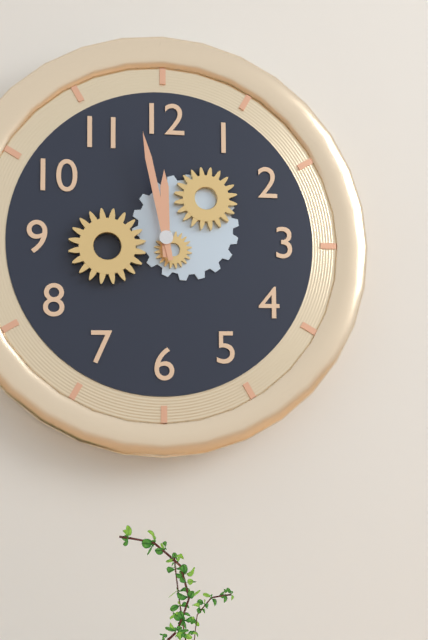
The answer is {"hour": 11, "minute": 58}
